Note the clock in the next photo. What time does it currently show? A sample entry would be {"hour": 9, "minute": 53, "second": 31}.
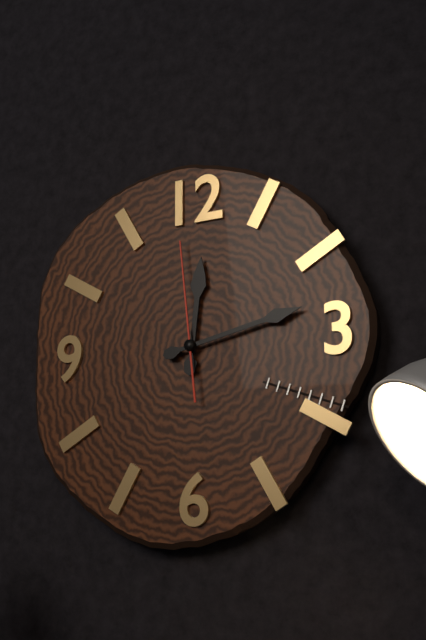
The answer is {"hour": 12, "minute": 13, "second": 59}
